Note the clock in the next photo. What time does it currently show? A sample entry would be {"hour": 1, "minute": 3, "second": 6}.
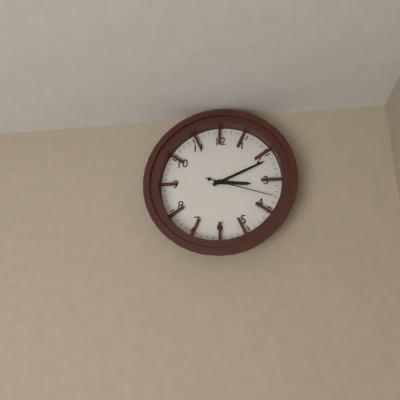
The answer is {"hour": 3, "minute": 11, "second": 18}
